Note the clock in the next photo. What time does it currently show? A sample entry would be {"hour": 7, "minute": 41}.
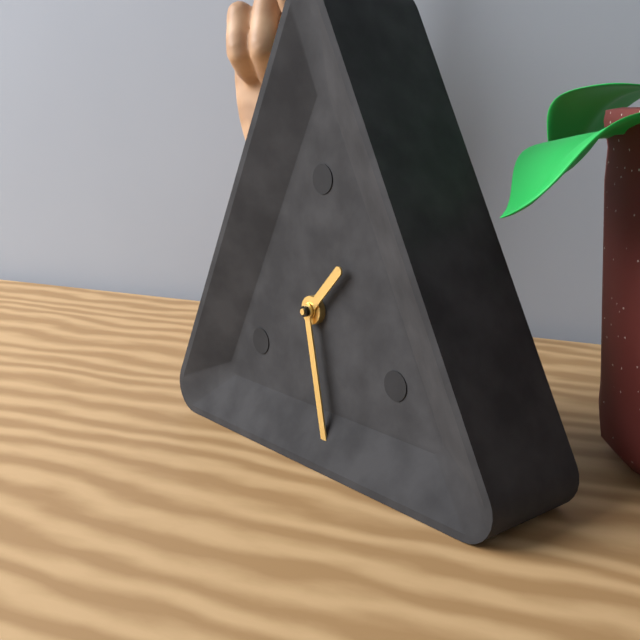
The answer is {"hour": 1, "minute": 28}
